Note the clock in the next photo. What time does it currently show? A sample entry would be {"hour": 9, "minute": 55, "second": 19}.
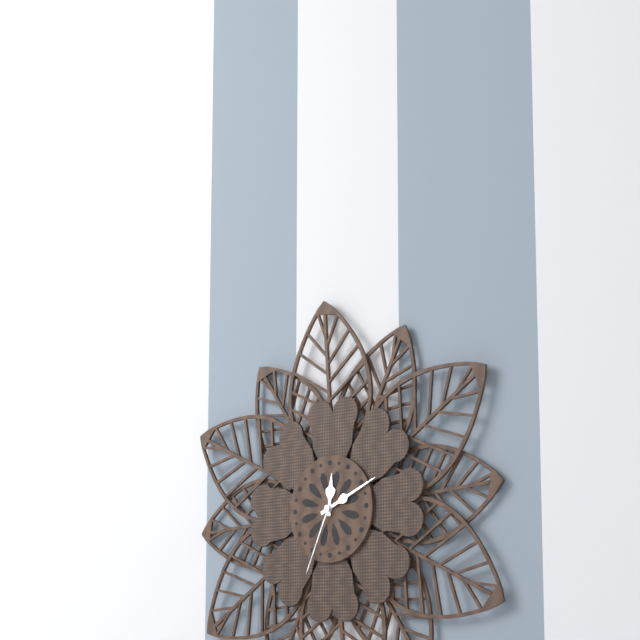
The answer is {"hour": 12, "minute": 11, "second": 34}
